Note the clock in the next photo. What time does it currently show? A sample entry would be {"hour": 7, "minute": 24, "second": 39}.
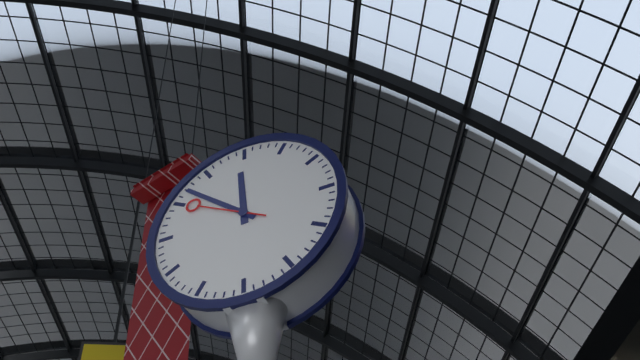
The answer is {"hour": 11, "minute": 52, "second": 50}
